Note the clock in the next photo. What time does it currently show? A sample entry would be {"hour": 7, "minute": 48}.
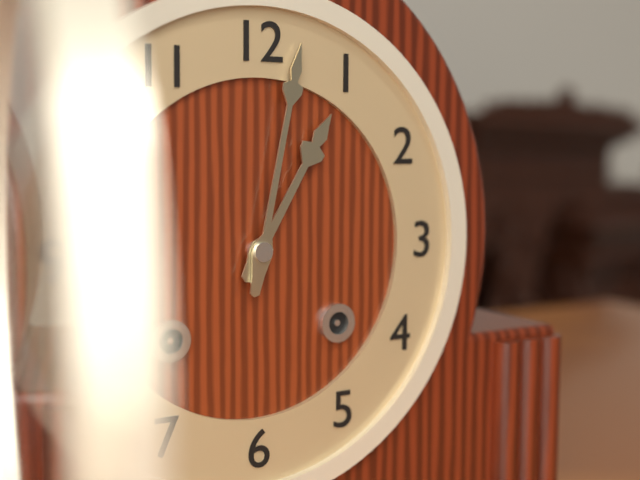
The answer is {"hour": 1, "minute": 2}
